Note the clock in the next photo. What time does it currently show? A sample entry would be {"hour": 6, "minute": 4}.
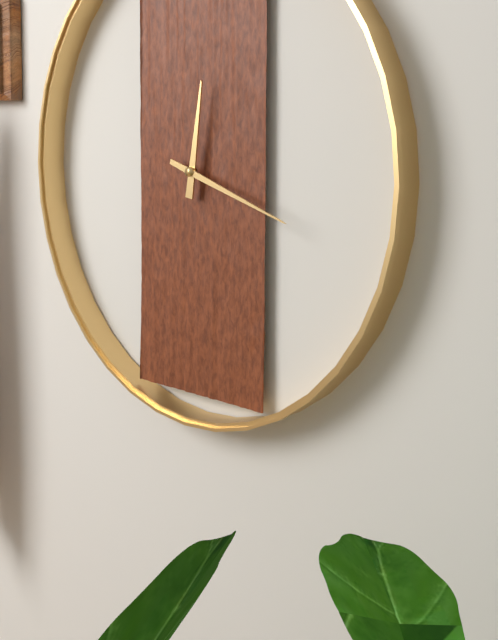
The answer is {"hour": 12, "minute": 18}
